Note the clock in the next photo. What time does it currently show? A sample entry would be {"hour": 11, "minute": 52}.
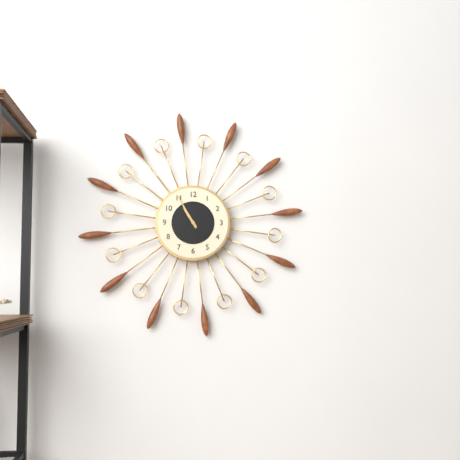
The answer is {"hour": 10, "minute": 55}
